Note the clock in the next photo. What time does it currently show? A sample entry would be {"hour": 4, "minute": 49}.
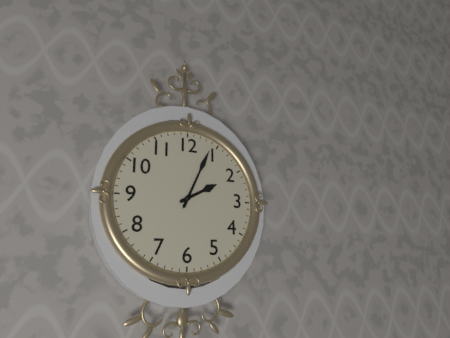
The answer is {"hour": 2, "minute": 4}
